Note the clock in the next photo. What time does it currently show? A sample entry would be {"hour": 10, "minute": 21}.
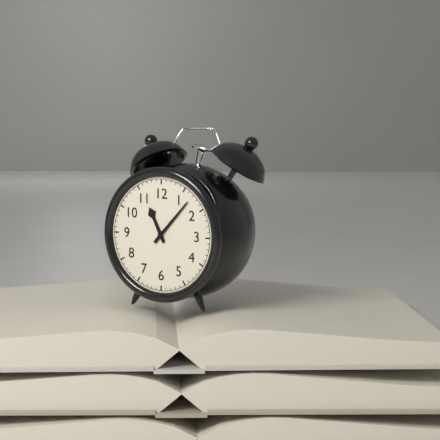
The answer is {"hour": 11, "minute": 7}
